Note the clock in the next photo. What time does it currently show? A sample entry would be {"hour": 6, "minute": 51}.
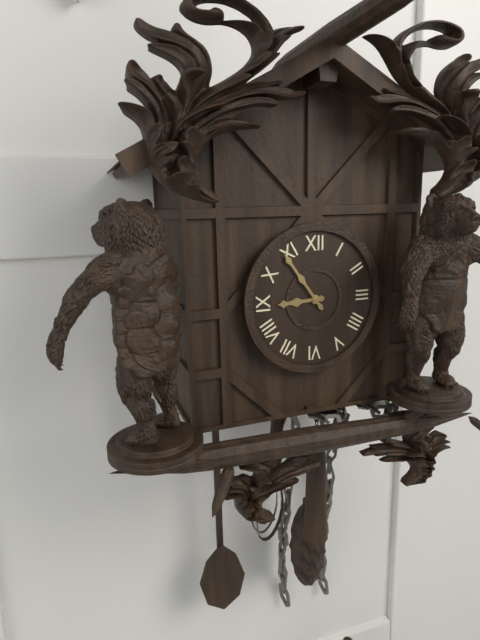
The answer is {"hour": 8, "minute": 54}
